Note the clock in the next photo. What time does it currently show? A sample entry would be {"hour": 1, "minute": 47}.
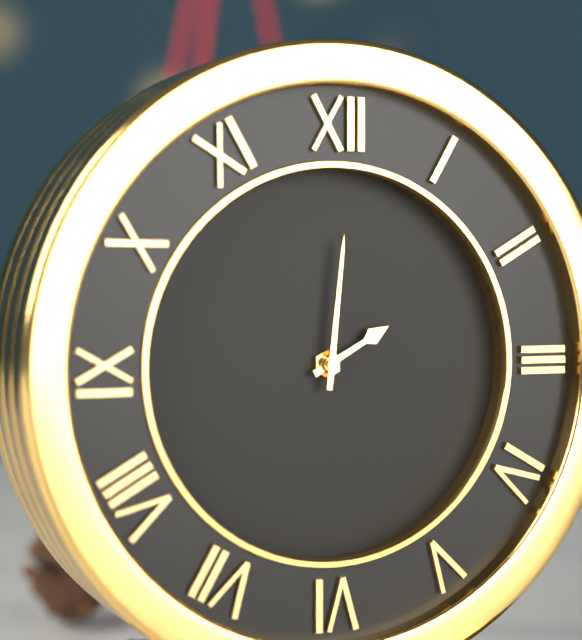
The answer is {"hour": 2, "minute": 1}
